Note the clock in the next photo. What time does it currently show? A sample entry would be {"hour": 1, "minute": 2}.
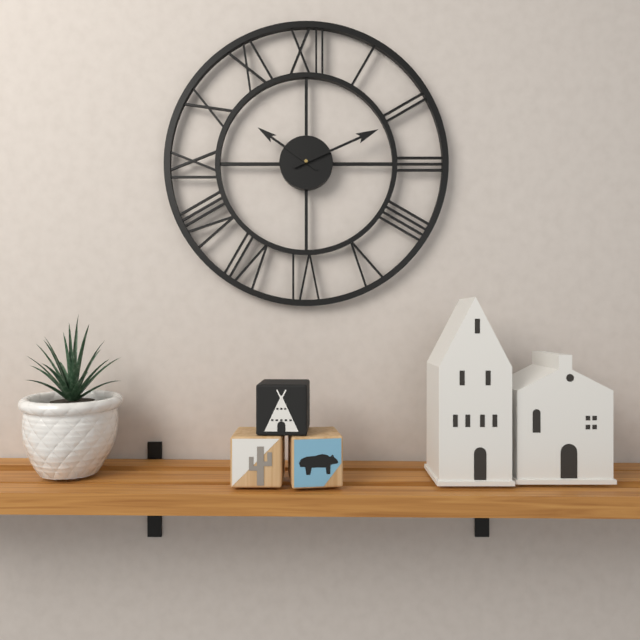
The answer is {"hour": 10, "minute": 11}
